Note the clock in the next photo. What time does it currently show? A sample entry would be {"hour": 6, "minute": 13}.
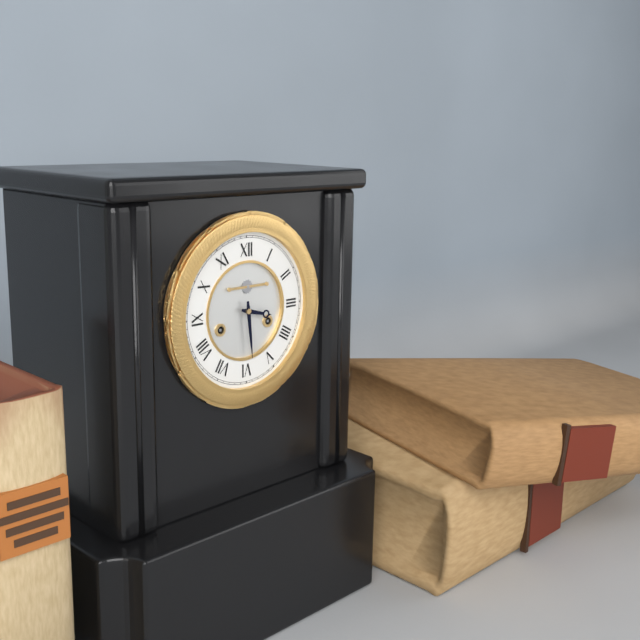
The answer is {"hour": 3, "minute": 29}
